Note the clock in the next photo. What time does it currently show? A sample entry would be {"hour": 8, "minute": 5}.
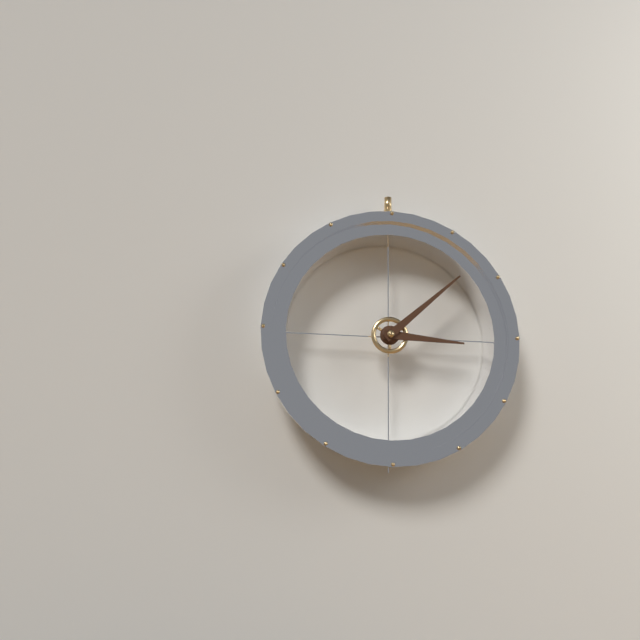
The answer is {"hour": 3, "minute": 8}
